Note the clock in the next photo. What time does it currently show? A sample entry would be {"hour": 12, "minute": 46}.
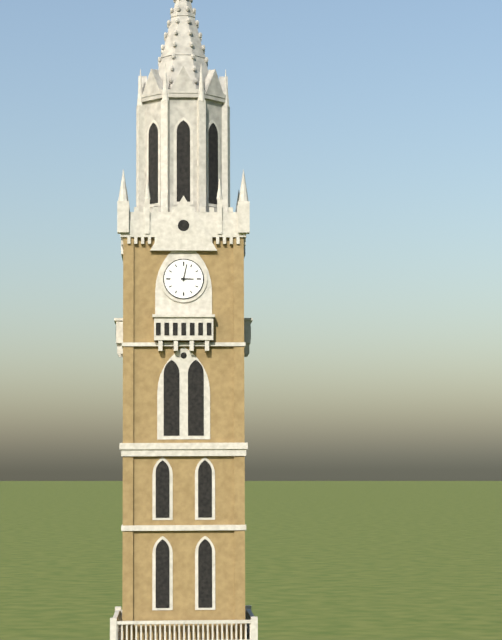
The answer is {"hour": 3, "minute": 2}
